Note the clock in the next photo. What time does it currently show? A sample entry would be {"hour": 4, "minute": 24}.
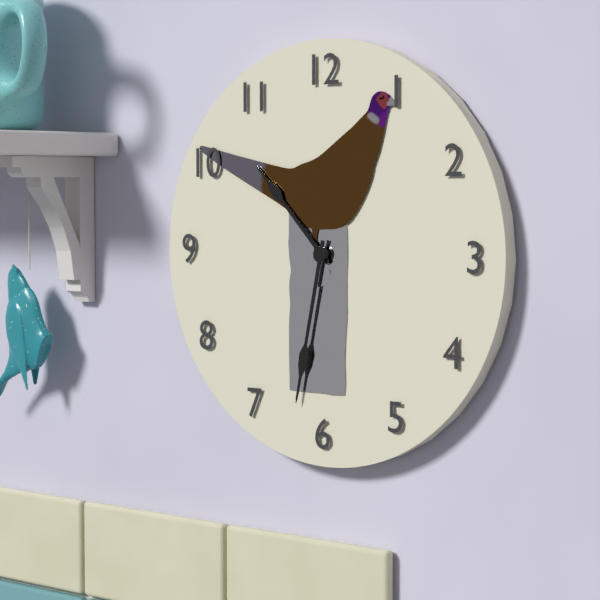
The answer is {"hour": 10, "minute": 32}
